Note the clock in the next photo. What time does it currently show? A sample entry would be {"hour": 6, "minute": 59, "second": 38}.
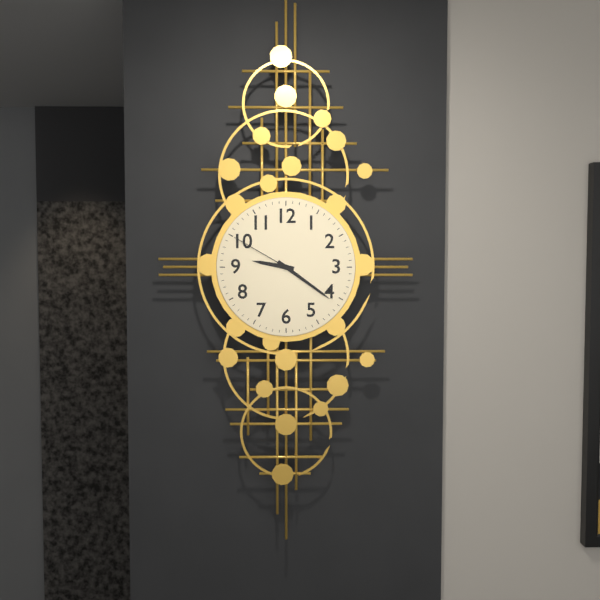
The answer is {"hour": 9, "minute": 21, "second": 50}
